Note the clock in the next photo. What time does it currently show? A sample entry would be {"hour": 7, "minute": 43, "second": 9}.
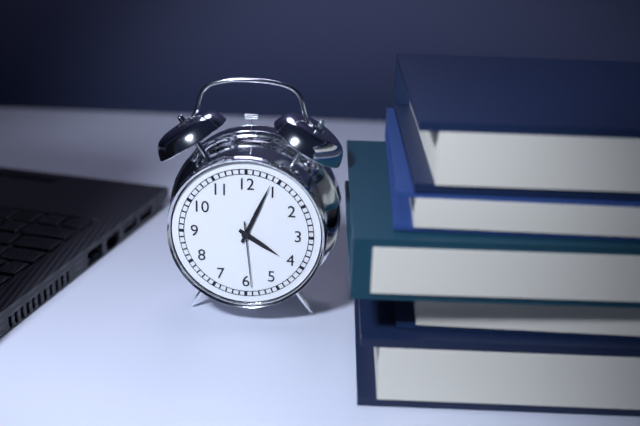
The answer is {"hour": 4, "minute": 4, "second": 29}
